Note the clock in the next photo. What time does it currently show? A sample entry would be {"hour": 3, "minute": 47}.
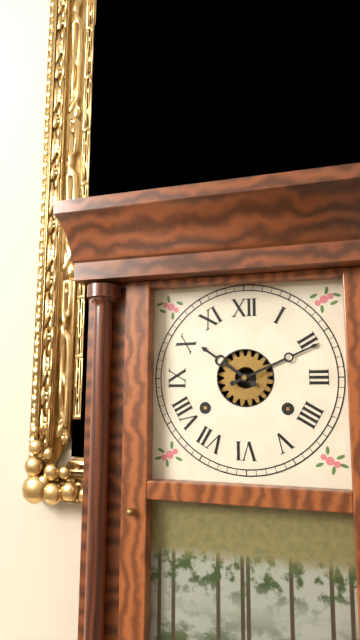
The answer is {"hour": 10, "minute": 11}
